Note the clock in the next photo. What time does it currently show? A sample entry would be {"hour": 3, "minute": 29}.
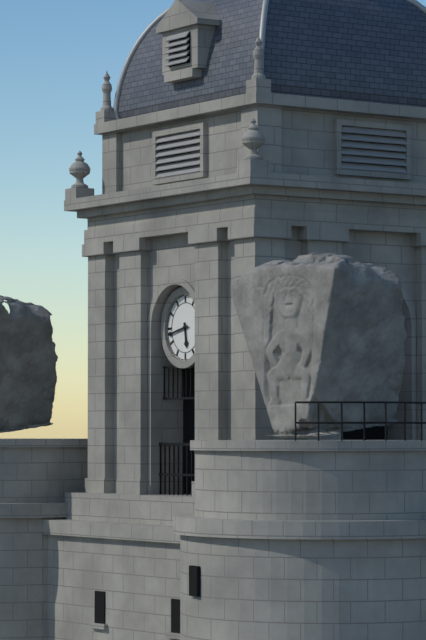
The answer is {"hour": 5, "minute": 43}
